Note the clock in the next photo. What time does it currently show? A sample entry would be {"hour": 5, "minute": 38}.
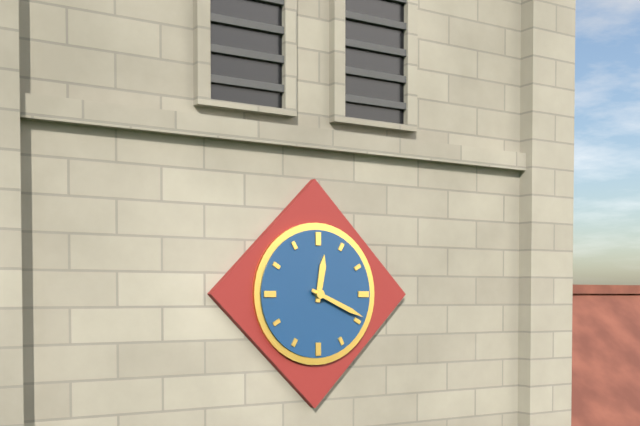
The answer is {"hour": 12, "minute": 19}
